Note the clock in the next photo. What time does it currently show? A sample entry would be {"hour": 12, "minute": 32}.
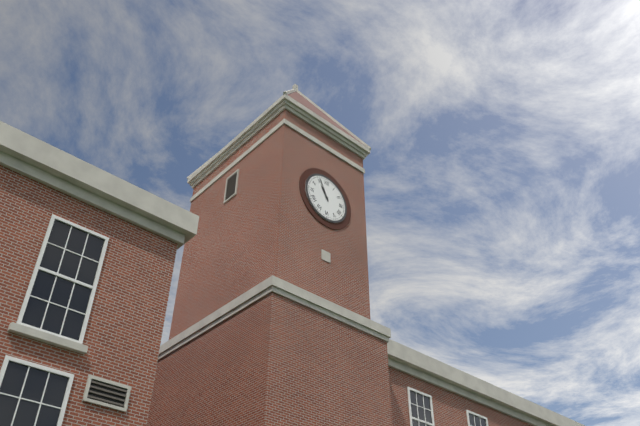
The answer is {"hour": 10, "minute": 56}
